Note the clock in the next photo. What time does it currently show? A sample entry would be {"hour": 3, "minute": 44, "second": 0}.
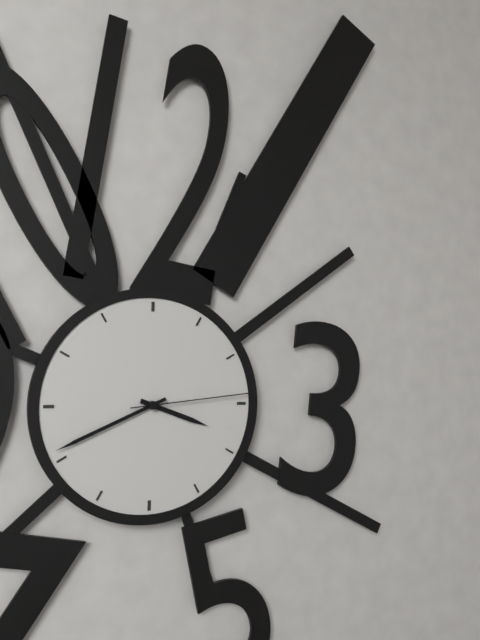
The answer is {"hour": 3, "minute": 41, "second": 14}
